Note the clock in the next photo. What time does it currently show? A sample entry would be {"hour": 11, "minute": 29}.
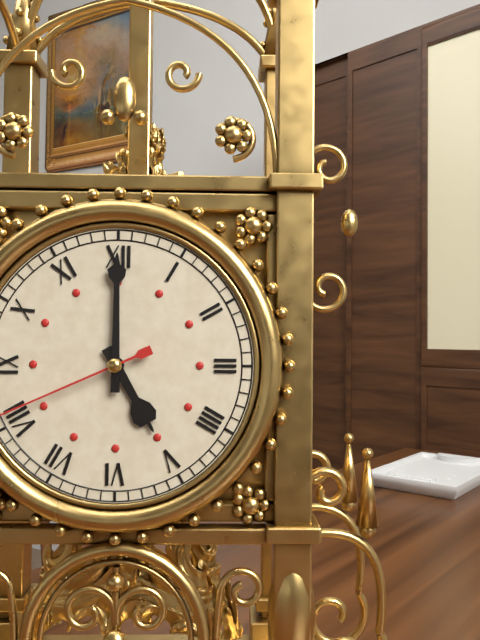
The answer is {"hour": 5, "minute": 0}
